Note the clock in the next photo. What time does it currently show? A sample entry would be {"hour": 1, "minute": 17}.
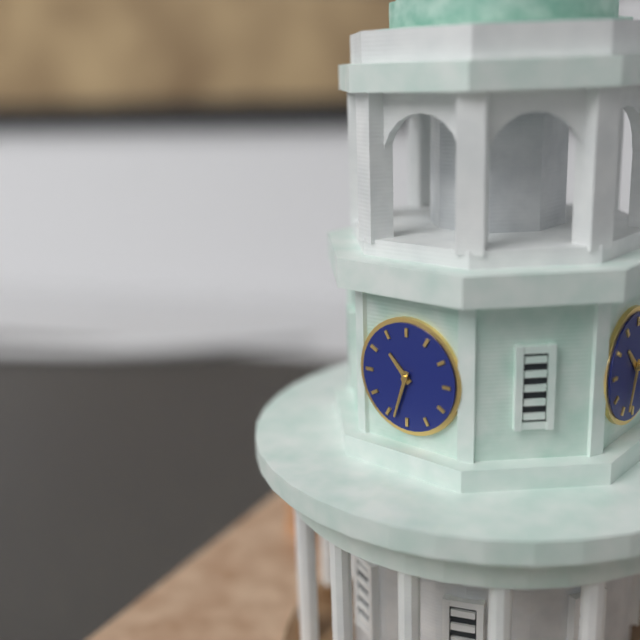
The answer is {"hour": 10, "minute": 33}
